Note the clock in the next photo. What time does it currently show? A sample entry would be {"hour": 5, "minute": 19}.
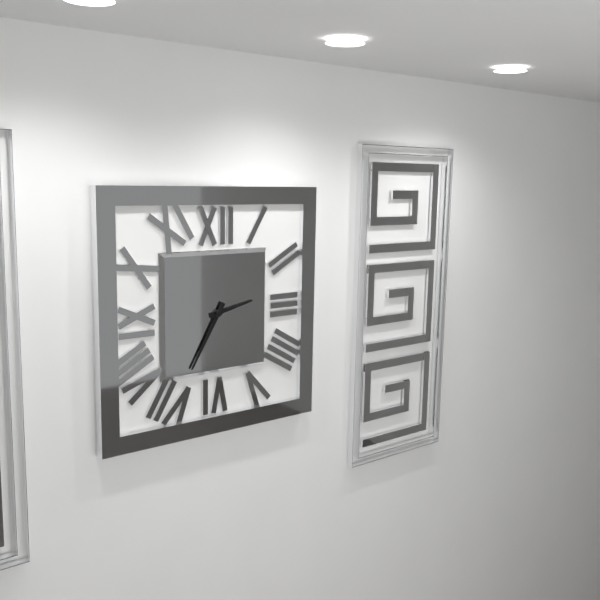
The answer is {"hour": 2, "minute": 35}
